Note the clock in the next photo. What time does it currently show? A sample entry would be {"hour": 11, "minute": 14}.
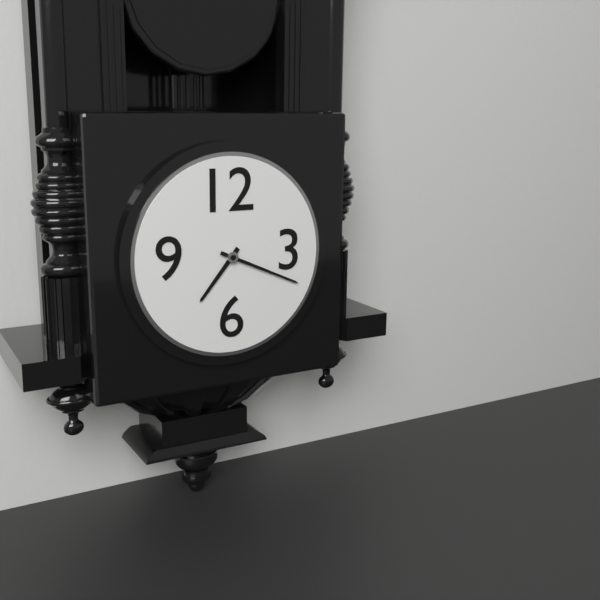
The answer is {"hour": 7, "minute": 19}
